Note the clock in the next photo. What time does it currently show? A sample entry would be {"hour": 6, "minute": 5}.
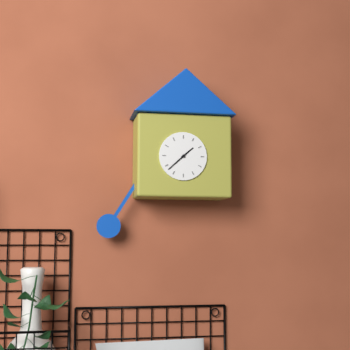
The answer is {"hour": 1, "minute": 38}
